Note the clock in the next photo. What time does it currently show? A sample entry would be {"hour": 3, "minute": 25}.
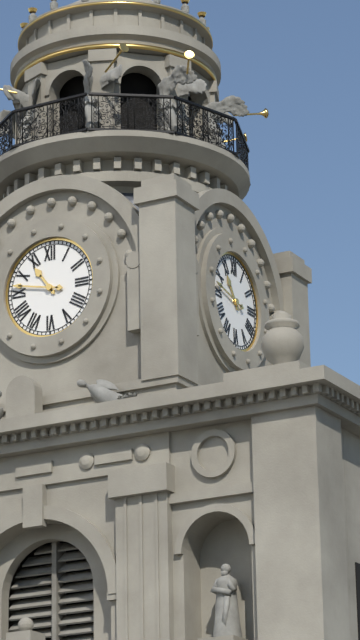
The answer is {"hour": 10, "minute": 47}
